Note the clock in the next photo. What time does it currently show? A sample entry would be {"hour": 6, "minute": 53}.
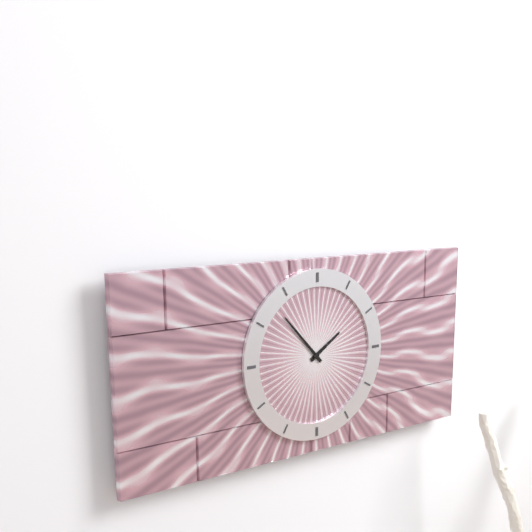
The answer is {"hour": 1, "minute": 53}
